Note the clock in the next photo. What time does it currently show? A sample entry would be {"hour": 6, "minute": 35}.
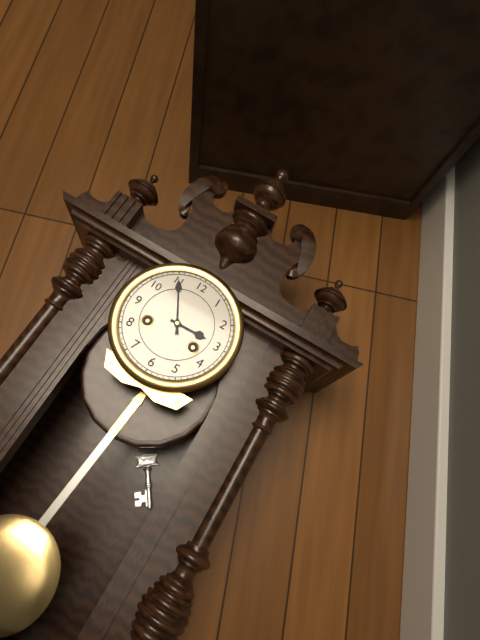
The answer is {"hour": 2, "minute": 55}
